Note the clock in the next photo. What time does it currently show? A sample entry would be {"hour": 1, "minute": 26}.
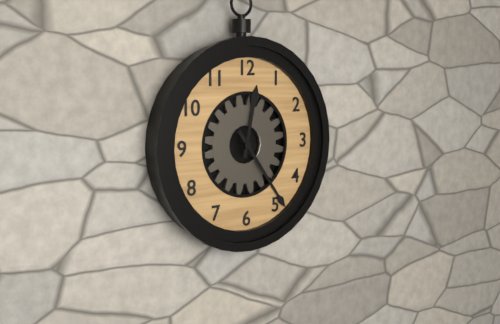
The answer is {"hour": 12, "minute": 24}
